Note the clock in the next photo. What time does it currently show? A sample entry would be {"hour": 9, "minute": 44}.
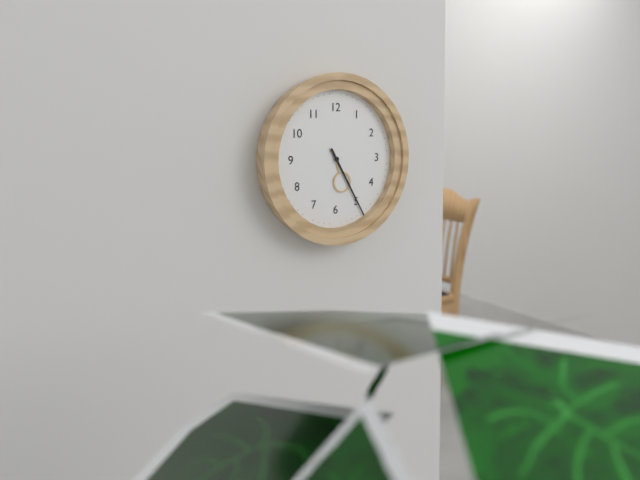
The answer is {"hour": 5, "minute": 25}
